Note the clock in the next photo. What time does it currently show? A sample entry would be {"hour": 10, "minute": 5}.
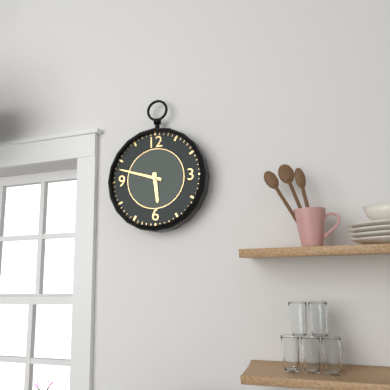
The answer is {"hour": 5, "minute": 48}
